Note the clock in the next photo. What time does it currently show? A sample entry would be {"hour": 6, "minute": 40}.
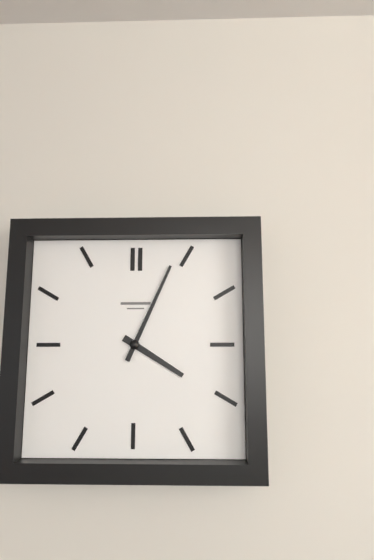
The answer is {"hour": 4, "minute": 4}
